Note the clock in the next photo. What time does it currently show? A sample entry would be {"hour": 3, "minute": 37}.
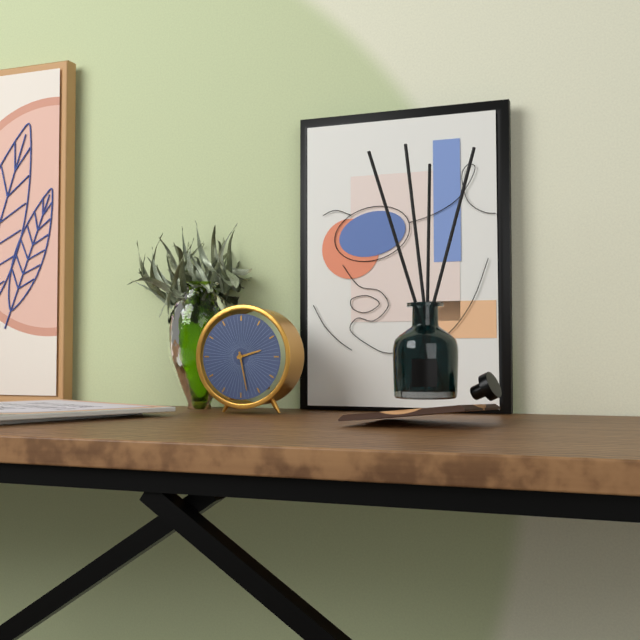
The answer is {"hour": 2, "minute": 28}
